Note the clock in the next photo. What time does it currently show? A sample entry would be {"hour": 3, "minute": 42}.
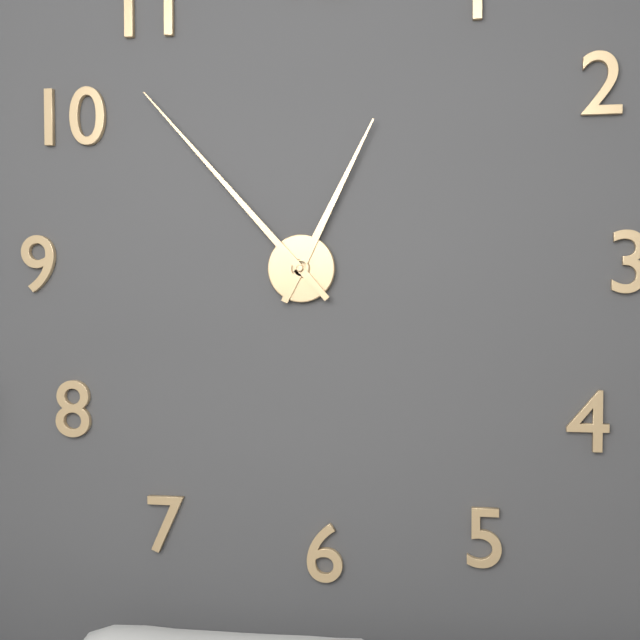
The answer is {"hour": 12, "minute": 53}
